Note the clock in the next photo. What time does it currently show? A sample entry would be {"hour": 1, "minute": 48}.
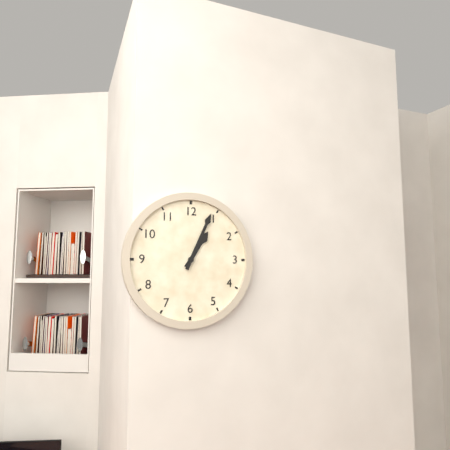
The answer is {"hour": 1, "minute": 4}
